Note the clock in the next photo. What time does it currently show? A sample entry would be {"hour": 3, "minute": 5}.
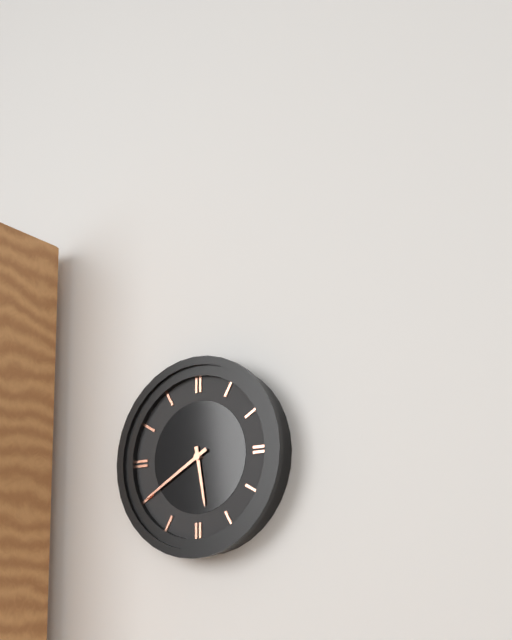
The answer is {"hour": 5, "minute": 40}
